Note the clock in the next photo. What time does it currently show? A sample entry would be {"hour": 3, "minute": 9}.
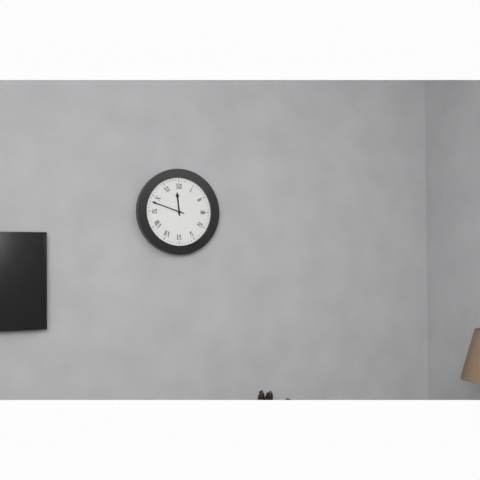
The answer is {"hour": 11, "minute": 48}
